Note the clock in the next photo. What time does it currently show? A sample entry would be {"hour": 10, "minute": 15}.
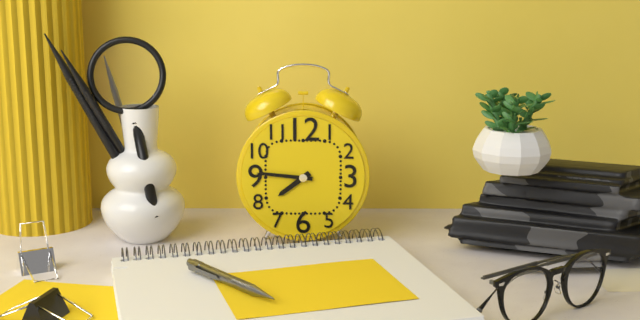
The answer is {"hour": 7, "minute": 46}
